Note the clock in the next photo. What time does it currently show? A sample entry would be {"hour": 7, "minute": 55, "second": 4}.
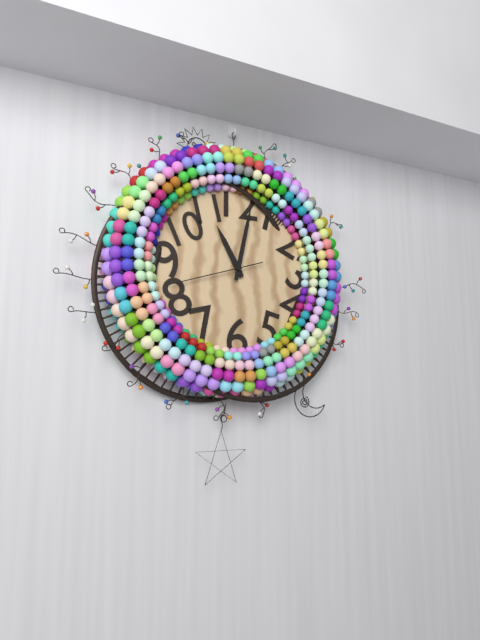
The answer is {"hour": 11, "minute": 2, "second": 42}
